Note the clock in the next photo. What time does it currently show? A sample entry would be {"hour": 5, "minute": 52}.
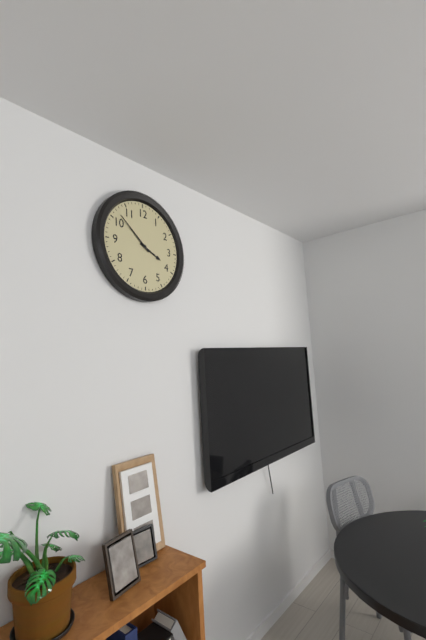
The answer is {"hour": 3, "minute": 52}
